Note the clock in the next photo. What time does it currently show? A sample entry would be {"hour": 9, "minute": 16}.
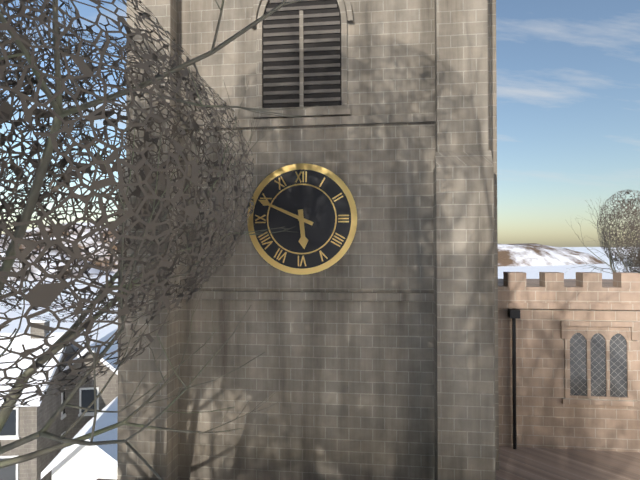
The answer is {"hour": 5, "minute": 49}
